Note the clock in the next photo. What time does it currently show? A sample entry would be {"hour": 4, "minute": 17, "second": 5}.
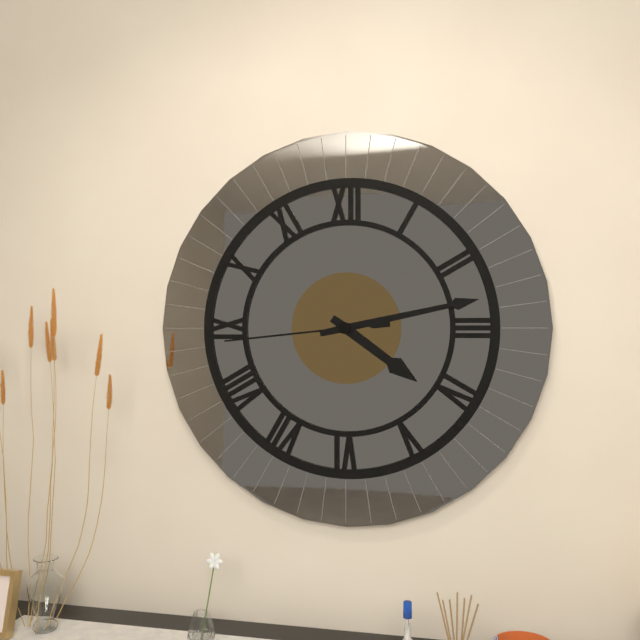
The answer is {"hour": 4, "minute": 13, "second": 44}
